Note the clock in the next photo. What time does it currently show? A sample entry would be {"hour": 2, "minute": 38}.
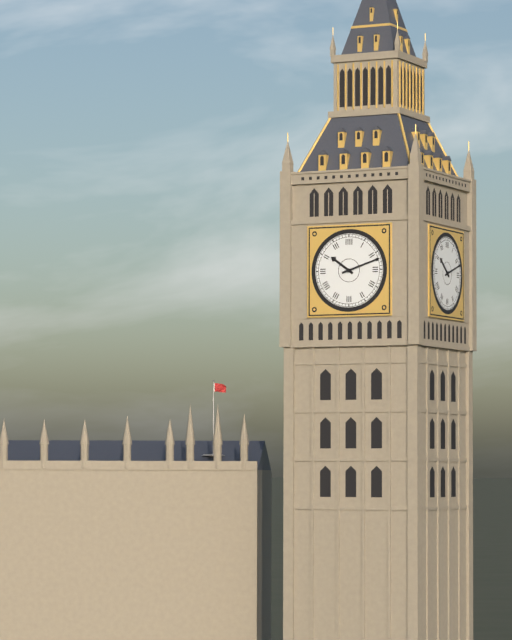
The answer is {"hour": 10, "minute": 12}
